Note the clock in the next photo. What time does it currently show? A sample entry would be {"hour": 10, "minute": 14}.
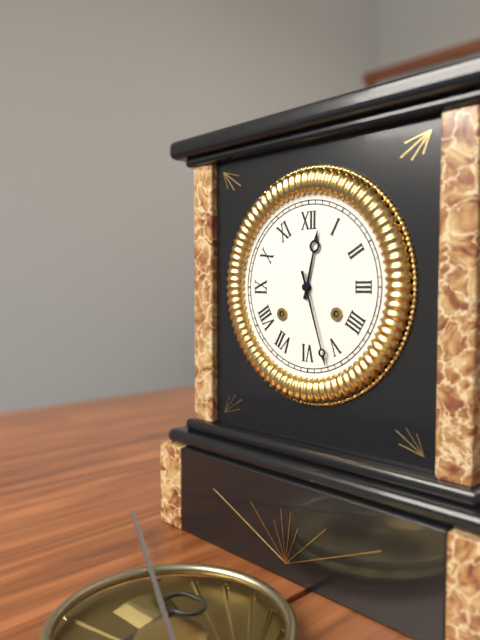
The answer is {"hour": 12, "minute": 27}
